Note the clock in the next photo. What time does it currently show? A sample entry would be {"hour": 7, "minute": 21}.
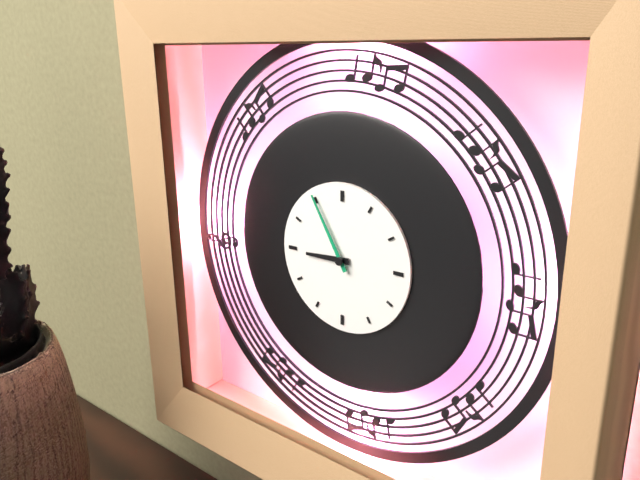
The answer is {"hour": 8, "minute": 55}
